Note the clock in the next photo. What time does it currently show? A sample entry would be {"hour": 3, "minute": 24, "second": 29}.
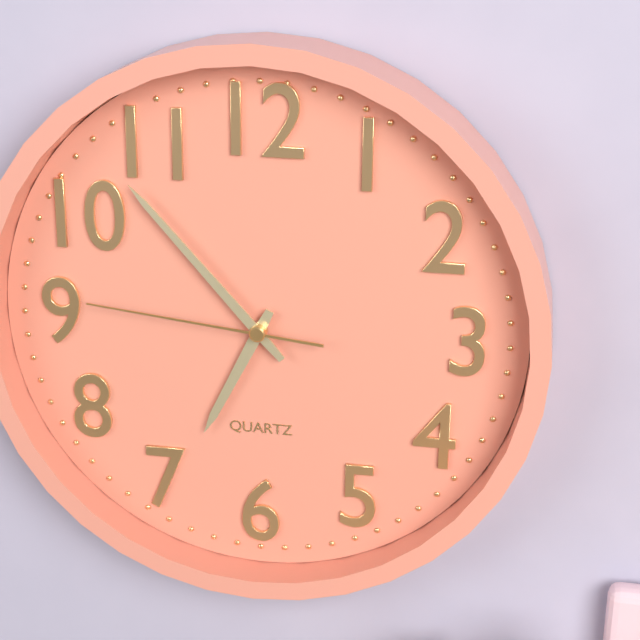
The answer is {"hour": 6, "minute": 53, "second": 46}
